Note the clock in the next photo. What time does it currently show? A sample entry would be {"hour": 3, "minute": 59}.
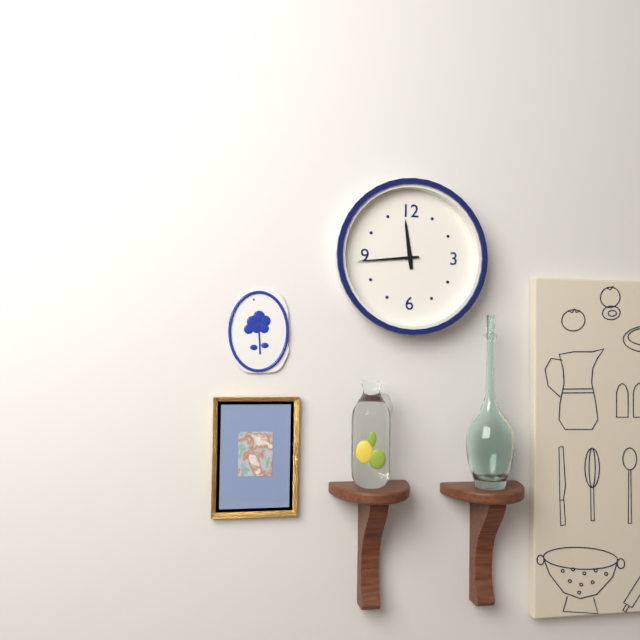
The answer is {"hour": 11, "minute": 44}
